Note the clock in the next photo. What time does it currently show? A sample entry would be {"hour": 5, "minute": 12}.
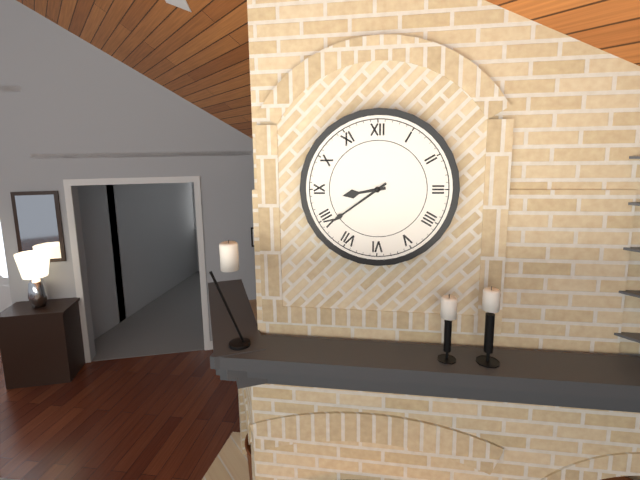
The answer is {"hour": 8, "minute": 39}
